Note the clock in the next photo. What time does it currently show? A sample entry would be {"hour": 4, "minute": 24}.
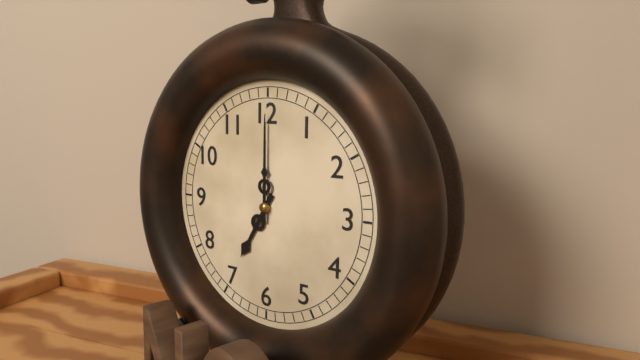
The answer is {"hour": 7, "minute": 0}
